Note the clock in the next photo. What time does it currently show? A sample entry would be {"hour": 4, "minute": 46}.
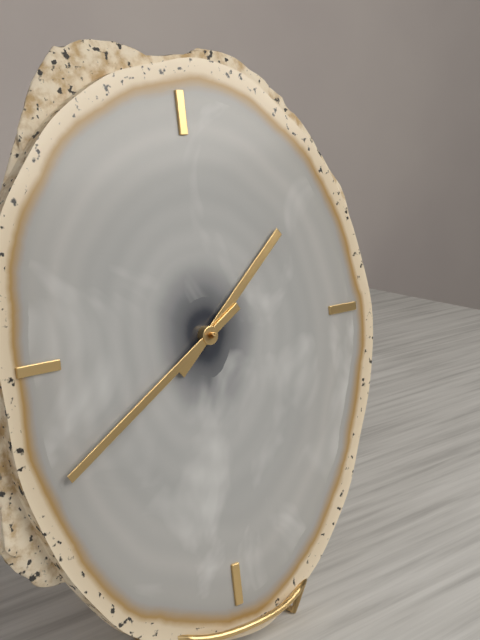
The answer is {"hour": 1, "minute": 40}
